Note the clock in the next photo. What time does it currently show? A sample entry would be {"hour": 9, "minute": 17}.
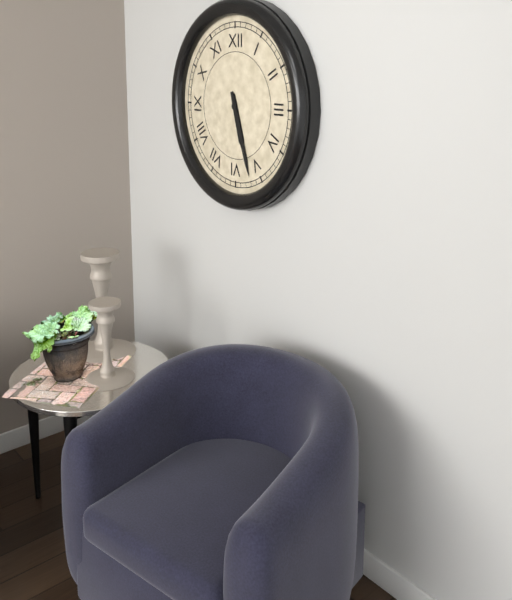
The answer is {"hour": 5, "minute": 27}
